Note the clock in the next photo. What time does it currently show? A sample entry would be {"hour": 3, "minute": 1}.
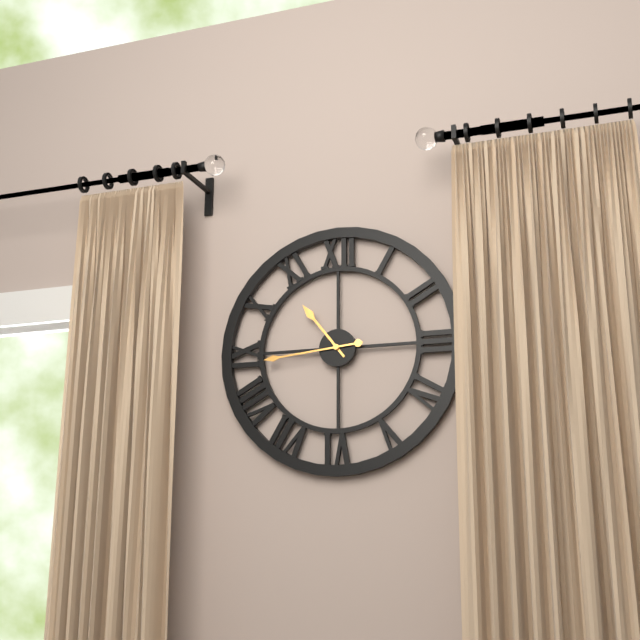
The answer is {"hour": 10, "minute": 44}
